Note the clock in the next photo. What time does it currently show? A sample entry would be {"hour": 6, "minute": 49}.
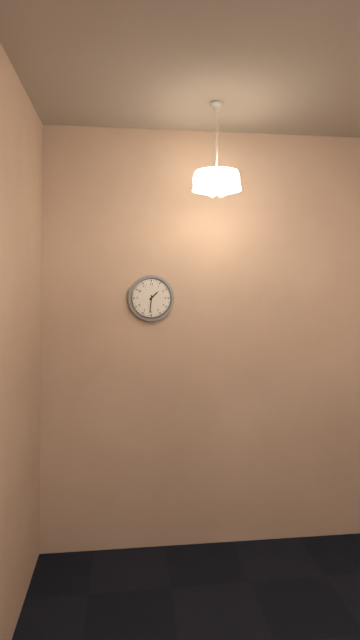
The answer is {"hour": 1, "minute": 31}
